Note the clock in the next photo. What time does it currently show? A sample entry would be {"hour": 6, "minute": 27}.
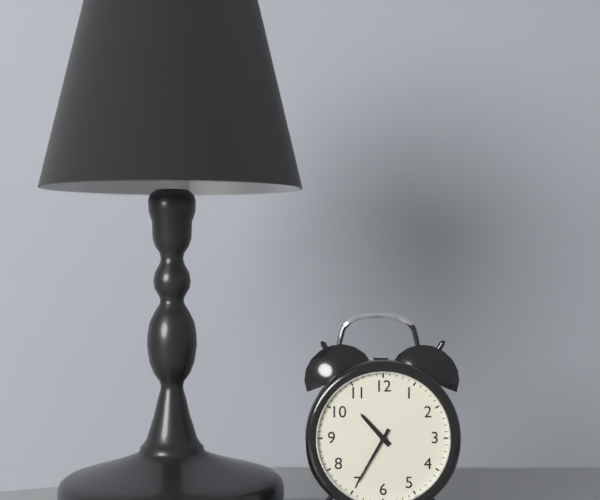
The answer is {"hour": 10, "minute": 35}
